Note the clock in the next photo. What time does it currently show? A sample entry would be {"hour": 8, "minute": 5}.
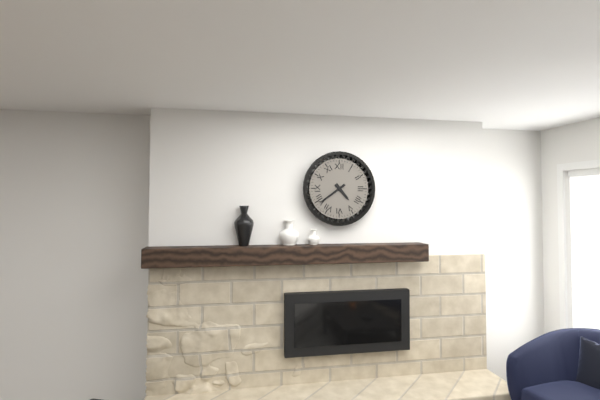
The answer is {"hour": 4, "minute": 39}
